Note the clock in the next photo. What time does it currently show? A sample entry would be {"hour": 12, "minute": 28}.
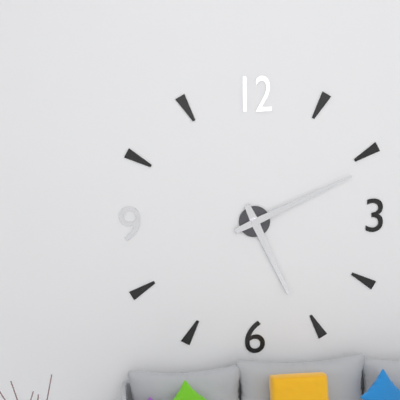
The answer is {"hour": 5, "minute": 11}
